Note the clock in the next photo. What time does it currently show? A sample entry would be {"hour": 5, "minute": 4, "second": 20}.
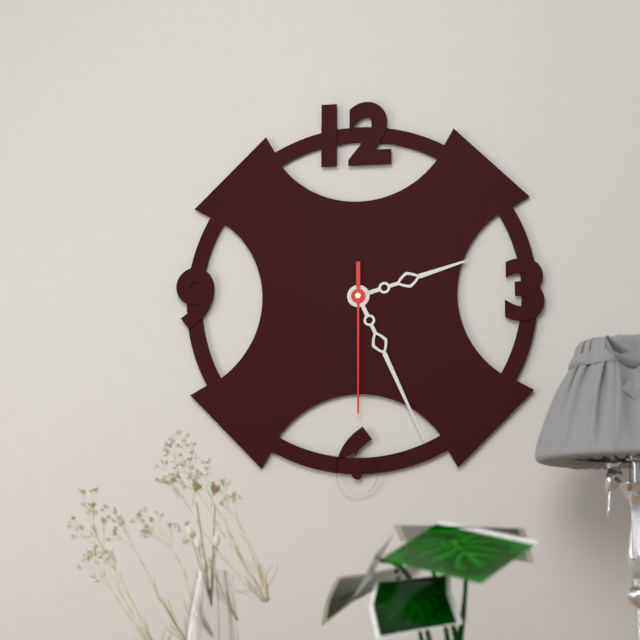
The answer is {"hour": 2, "minute": 26, "second": 30}
